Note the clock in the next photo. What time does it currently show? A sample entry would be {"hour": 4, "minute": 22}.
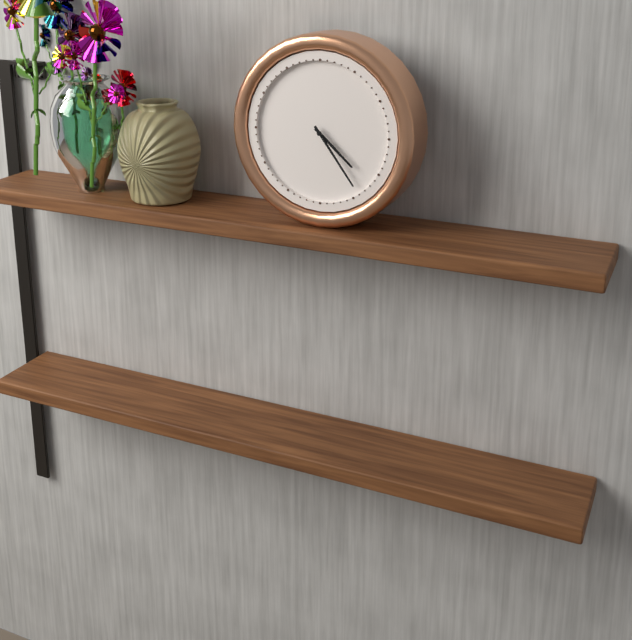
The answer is {"hour": 4, "minute": 24}
